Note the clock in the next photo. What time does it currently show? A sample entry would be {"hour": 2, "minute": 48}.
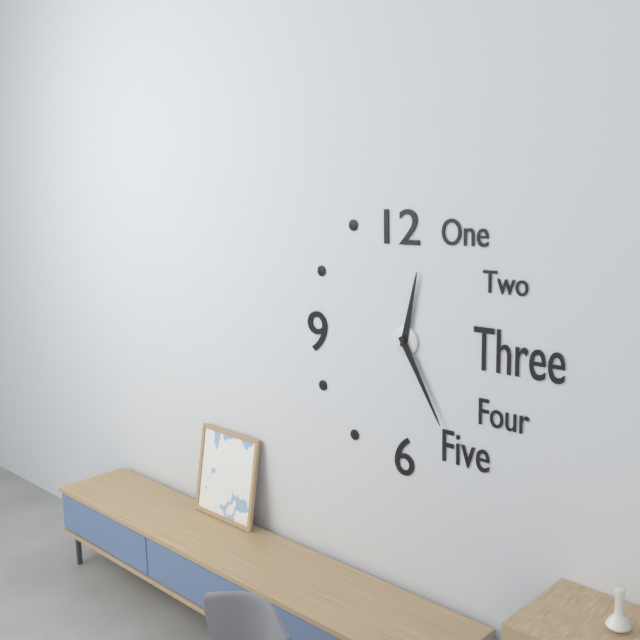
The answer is {"hour": 12, "minute": 25}
